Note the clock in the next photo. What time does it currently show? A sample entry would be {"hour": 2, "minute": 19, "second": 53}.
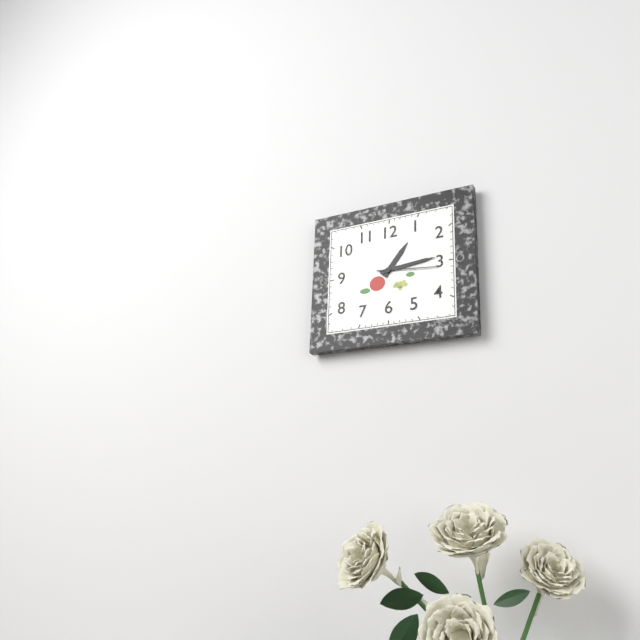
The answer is {"hour": 1, "minute": 14, "second": 16}
